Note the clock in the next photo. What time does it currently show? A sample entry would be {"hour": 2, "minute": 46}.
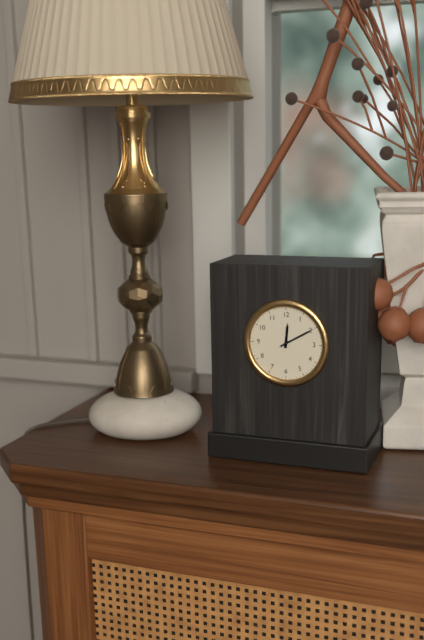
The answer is {"hour": 12, "minute": 10}
